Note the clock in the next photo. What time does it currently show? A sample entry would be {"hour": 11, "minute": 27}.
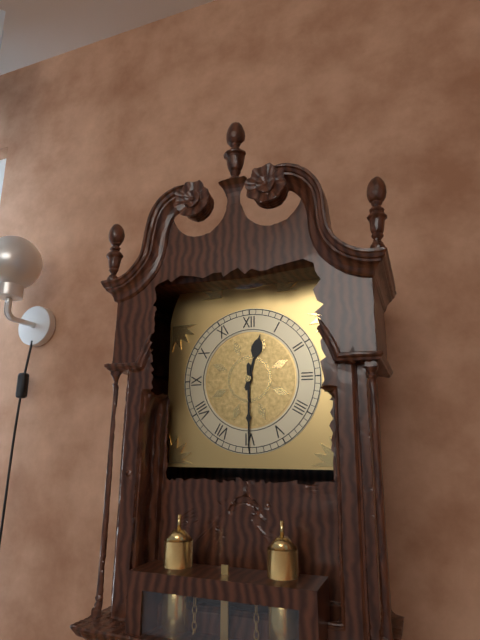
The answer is {"hour": 12, "minute": 30}
